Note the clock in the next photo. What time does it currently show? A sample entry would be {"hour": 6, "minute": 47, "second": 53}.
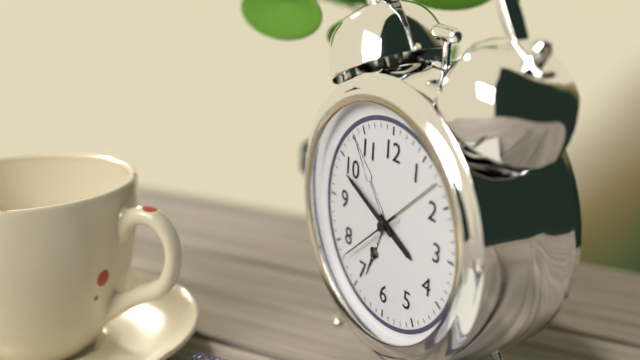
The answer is {"hour": 3, "minute": 49, "second": 38}
